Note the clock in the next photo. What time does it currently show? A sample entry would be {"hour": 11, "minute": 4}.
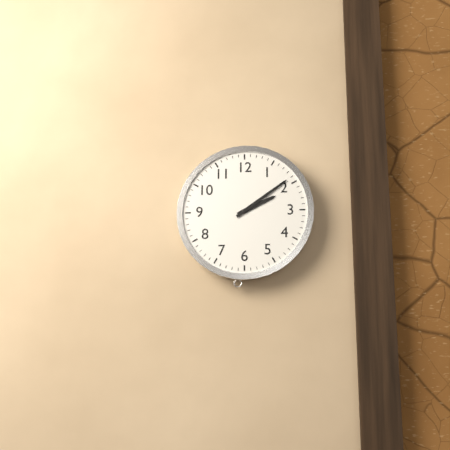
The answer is {"hour": 2, "minute": 9}
